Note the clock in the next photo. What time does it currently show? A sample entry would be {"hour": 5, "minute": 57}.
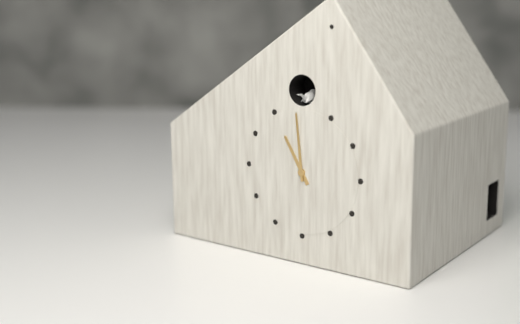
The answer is {"hour": 10, "minute": 59}
